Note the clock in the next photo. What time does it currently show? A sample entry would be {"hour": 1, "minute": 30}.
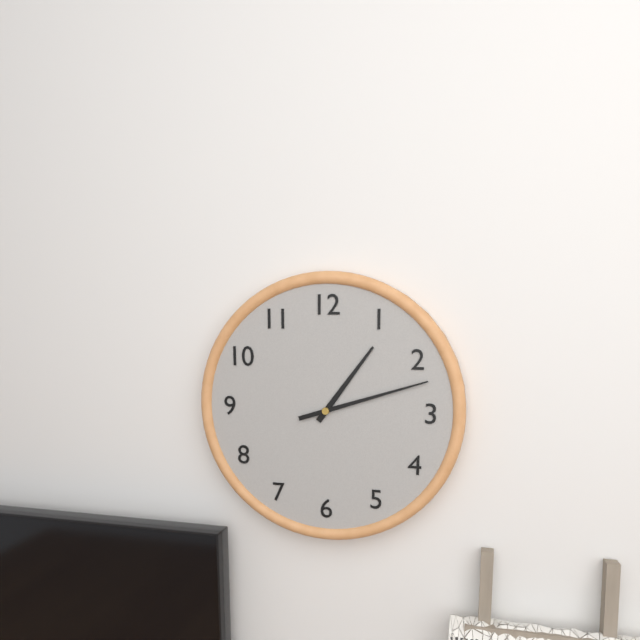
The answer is {"hour": 1, "minute": 12}
